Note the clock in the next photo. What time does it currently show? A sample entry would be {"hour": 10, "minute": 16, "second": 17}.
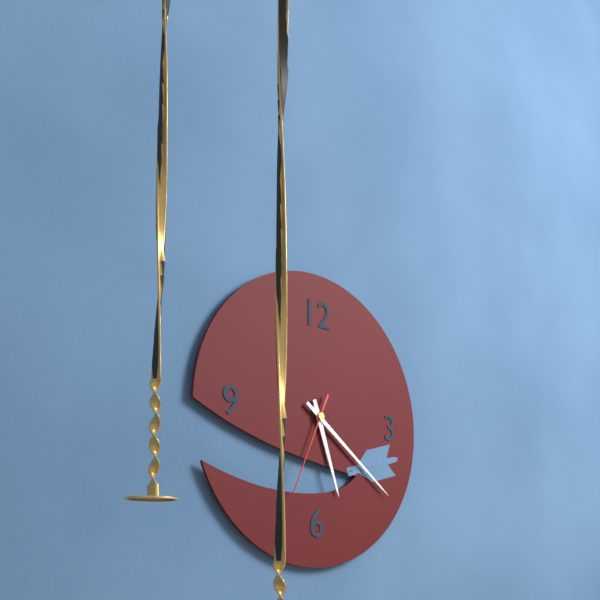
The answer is {"hour": 5, "minute": 21, "second": 34}
